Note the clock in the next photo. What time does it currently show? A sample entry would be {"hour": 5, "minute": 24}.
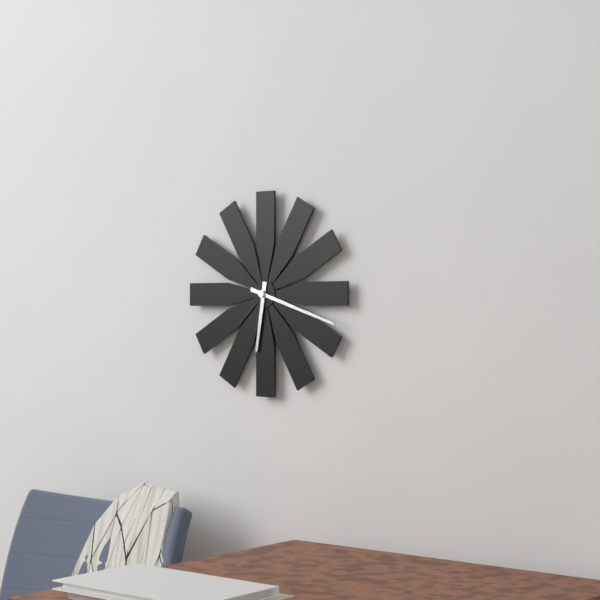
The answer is {"hour": 6, "minute": 18}
